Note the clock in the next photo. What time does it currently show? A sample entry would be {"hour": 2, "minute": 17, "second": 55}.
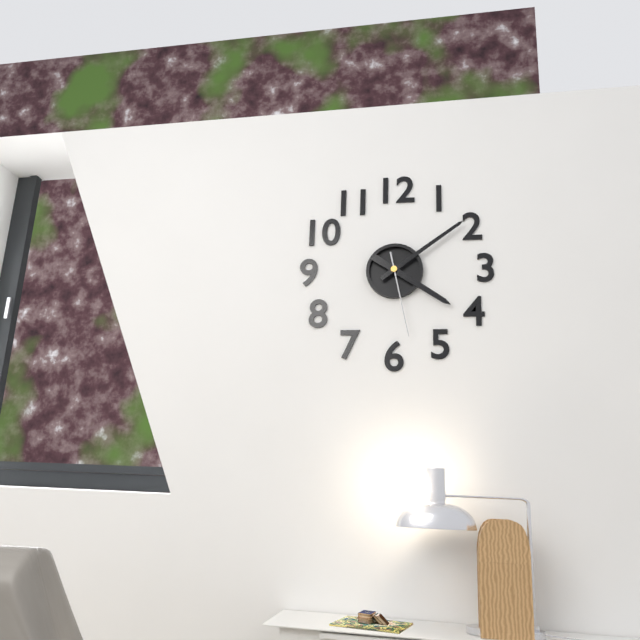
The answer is {"hour": 4, "minute": 9, "second": 28}
